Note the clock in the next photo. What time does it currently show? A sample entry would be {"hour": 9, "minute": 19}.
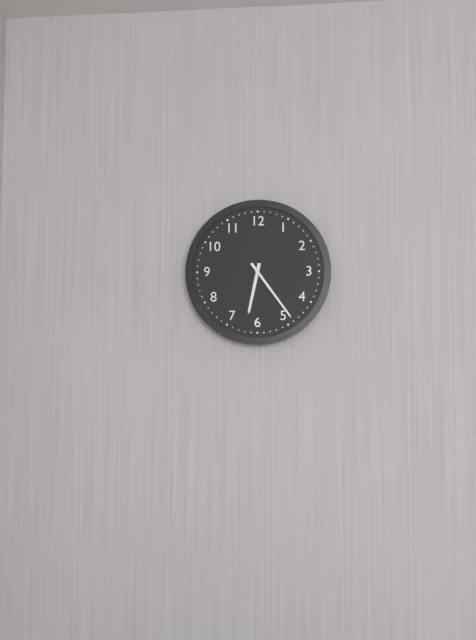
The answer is {"hour": 6, "minute": 24}
